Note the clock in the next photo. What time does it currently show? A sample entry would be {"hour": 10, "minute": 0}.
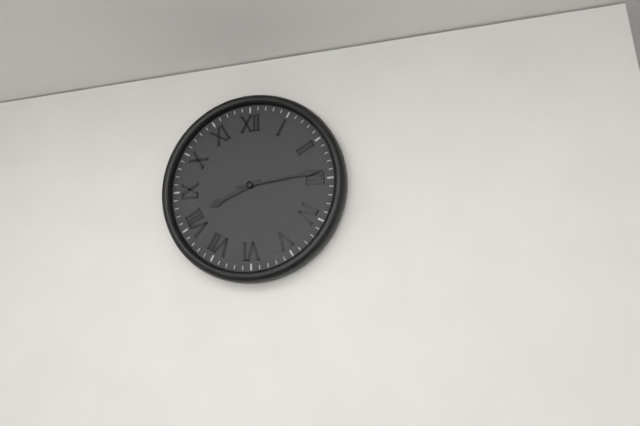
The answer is {"hour": 8, "minute": 14}
